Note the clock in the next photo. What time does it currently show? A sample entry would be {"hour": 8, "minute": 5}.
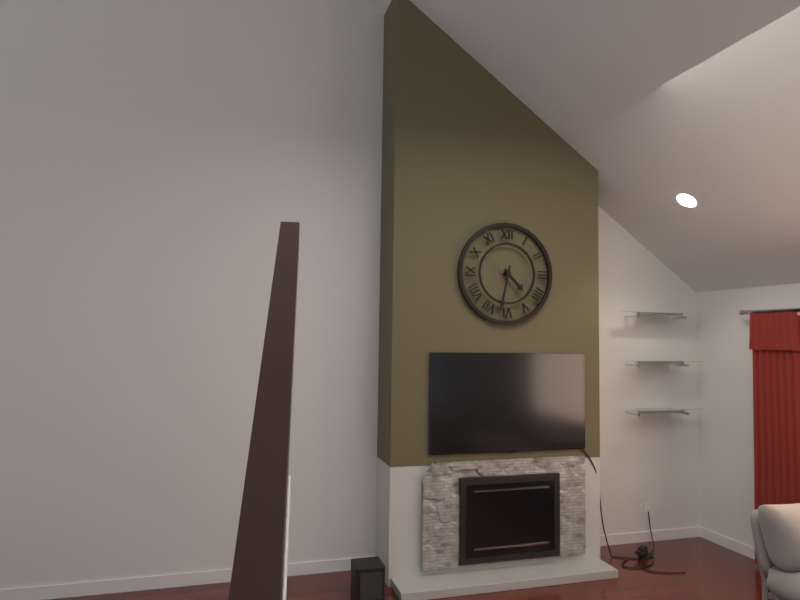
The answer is {"hour": 4, "minute": 32}
